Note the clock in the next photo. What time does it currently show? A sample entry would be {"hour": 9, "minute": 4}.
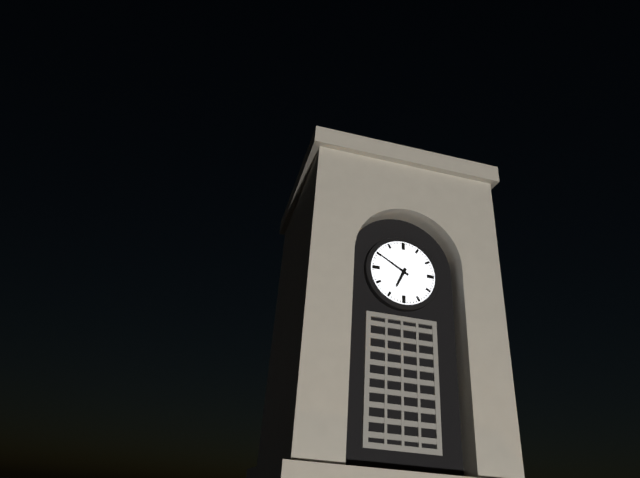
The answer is {"hour": 6, "minute": 50}
